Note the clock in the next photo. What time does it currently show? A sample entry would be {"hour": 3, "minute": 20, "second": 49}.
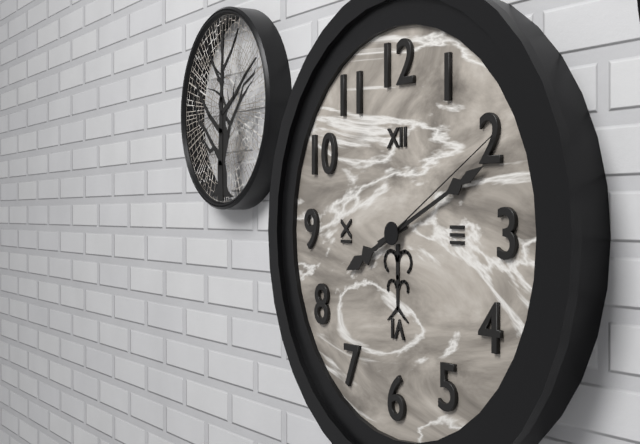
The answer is {"hour": 8, "minute": 11, "second": 10}
